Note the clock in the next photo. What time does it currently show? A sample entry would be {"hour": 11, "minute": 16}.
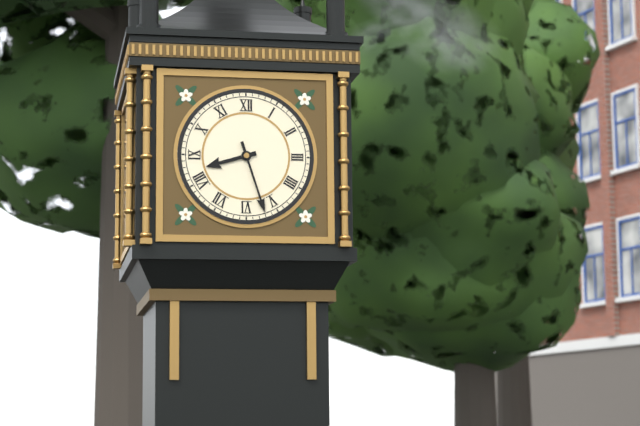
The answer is {"hour": 8, "minute": 27}
